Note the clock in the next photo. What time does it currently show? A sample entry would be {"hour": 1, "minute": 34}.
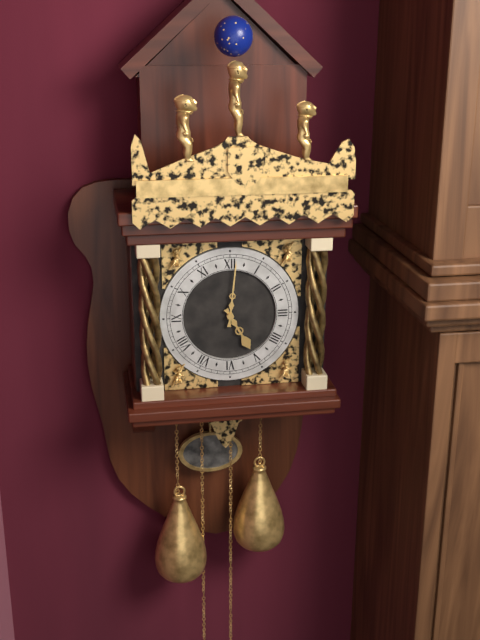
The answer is {"hour": 5, "minute": 1}
